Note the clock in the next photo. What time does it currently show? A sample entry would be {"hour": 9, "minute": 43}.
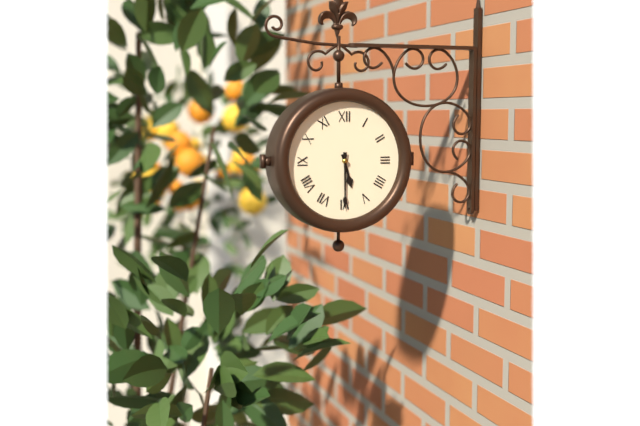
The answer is {"hour": 5, "minute": 30}
